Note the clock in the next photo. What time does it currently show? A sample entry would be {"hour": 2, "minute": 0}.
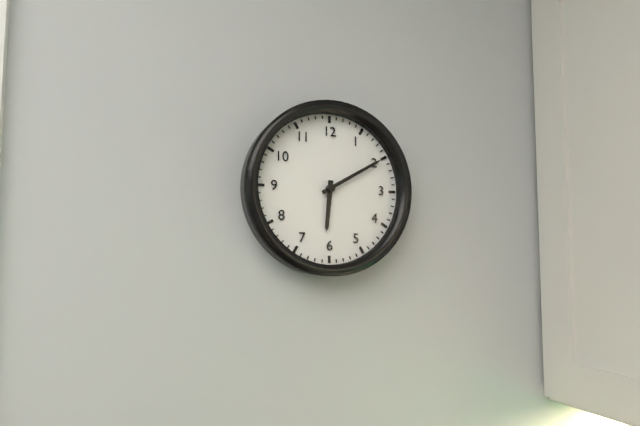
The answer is {"hour": 6, "minute": 10}
